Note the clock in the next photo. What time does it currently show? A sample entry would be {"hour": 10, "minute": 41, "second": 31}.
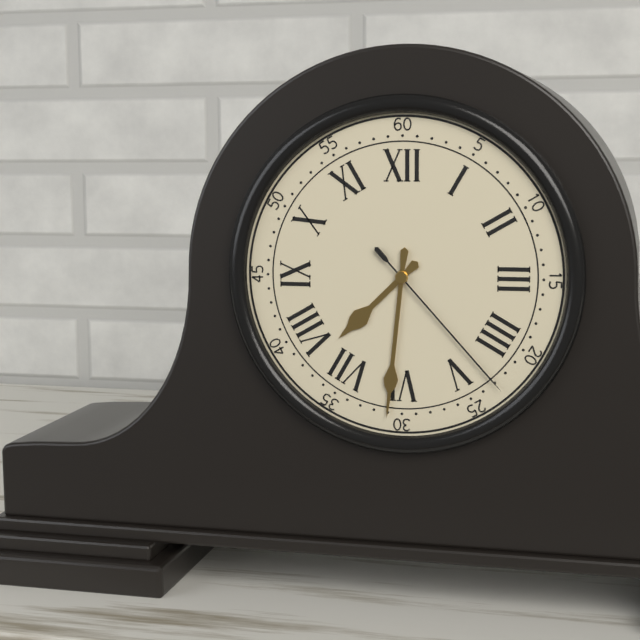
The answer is {"hour": 7, "minute": 31, "second": 23}
